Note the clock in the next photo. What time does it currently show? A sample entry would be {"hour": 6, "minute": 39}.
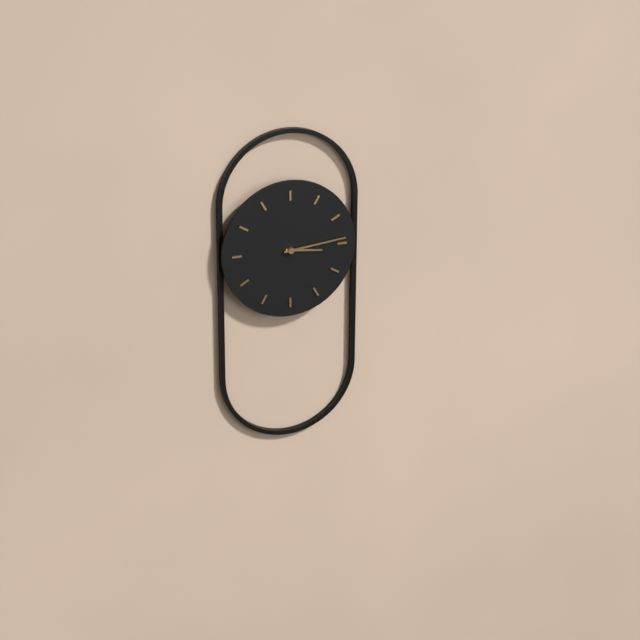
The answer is {"hour": 3, "minute": 14}
